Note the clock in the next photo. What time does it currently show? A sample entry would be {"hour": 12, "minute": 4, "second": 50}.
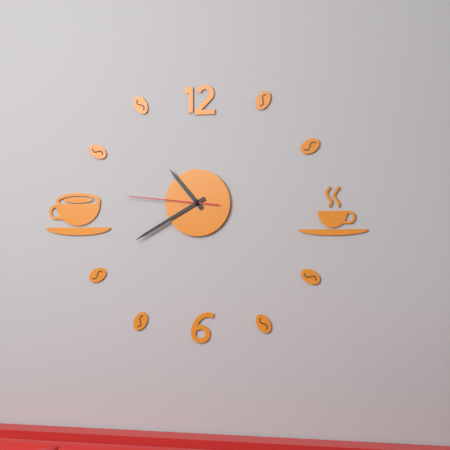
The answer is {"hour": 10, "minute": 40, "second": 46}
